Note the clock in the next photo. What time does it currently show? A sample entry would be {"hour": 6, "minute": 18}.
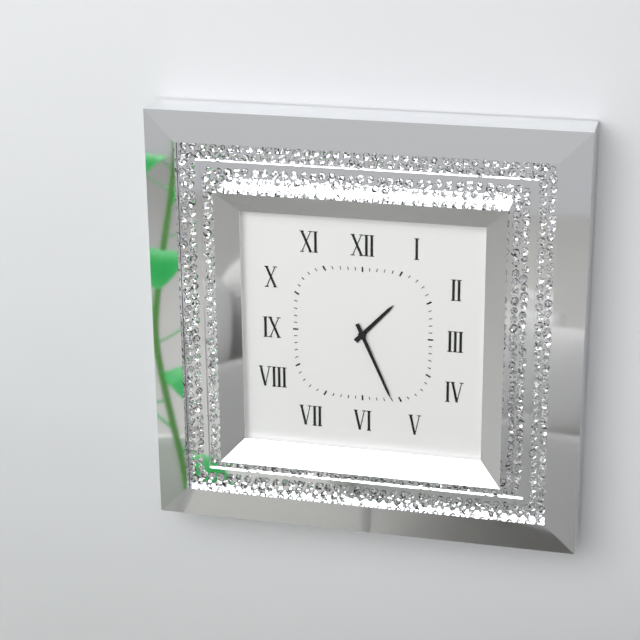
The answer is {"hour": 1, "minute": 26}
